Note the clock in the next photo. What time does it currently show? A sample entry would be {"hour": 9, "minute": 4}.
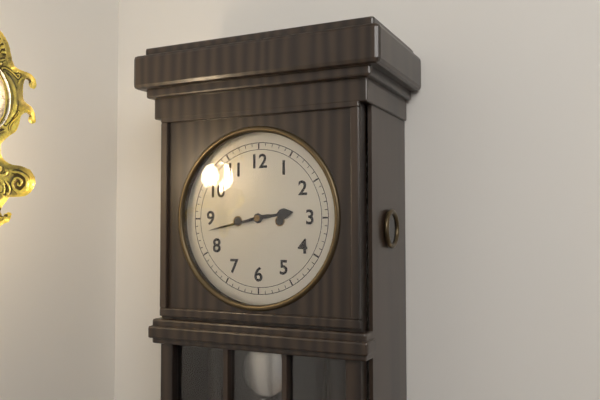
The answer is {"hour": 2, "minute": 43}
